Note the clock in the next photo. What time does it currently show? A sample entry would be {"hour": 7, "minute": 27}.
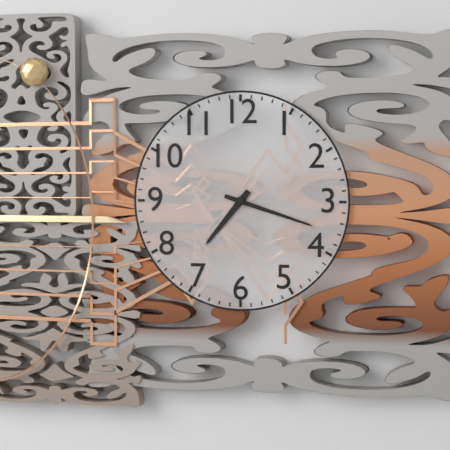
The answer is {"hour": 7, "minute": 18}
